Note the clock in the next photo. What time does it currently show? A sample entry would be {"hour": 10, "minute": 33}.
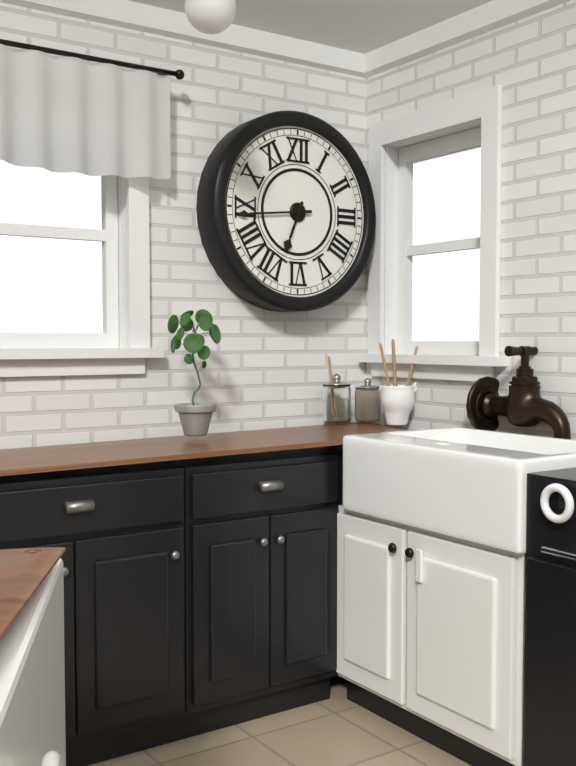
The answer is {"hour": 6, "minute": 44}
